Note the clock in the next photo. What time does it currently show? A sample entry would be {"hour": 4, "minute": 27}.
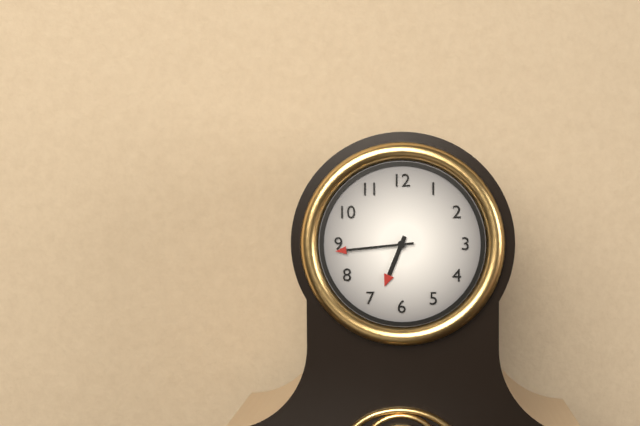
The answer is {"hour": 6, "minute": 44}
